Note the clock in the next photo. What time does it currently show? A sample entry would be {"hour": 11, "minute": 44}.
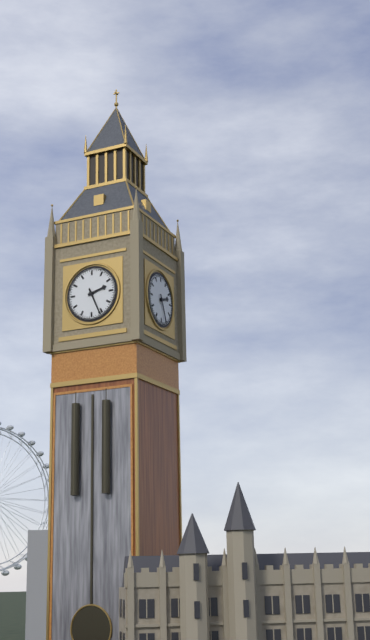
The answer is {"hour": 2, "minute": 26}
